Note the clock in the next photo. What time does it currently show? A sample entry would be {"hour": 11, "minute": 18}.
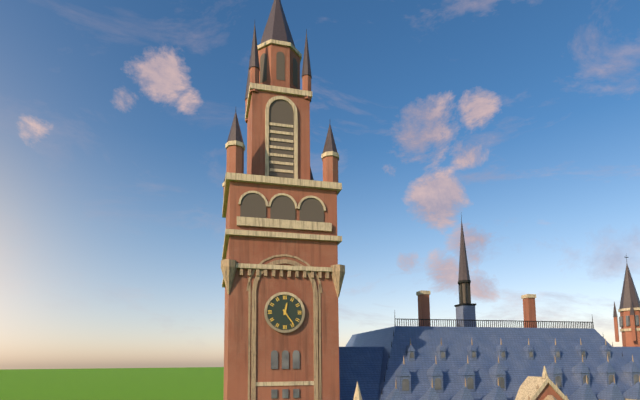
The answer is {"hour": 12, "minute": 24}
